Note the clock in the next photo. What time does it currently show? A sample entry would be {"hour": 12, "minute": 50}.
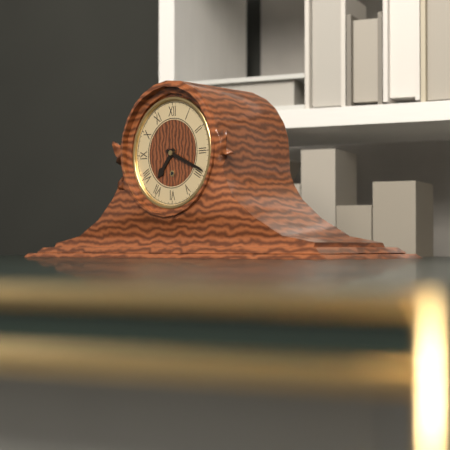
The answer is {"hour": 7, "minute": 19}
